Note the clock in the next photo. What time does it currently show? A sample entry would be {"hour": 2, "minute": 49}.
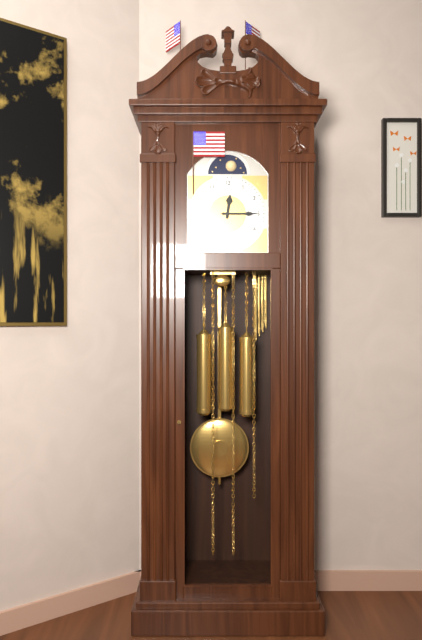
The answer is {"hour": 12, "minute": 15}
